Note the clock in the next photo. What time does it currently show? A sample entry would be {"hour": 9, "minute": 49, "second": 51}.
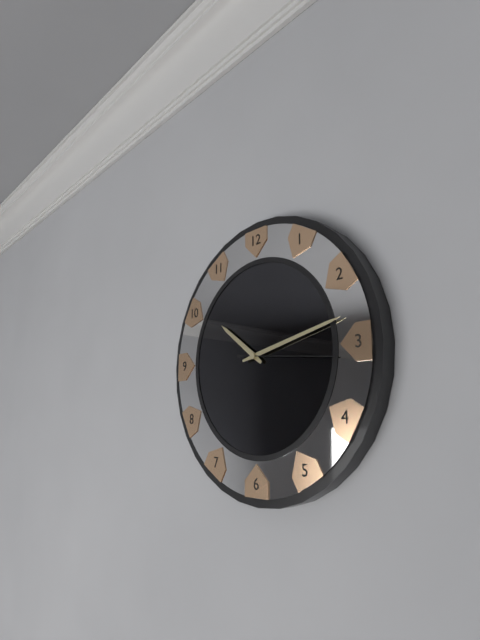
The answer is {"hour": 10, "minute": 13, "second": 16}
